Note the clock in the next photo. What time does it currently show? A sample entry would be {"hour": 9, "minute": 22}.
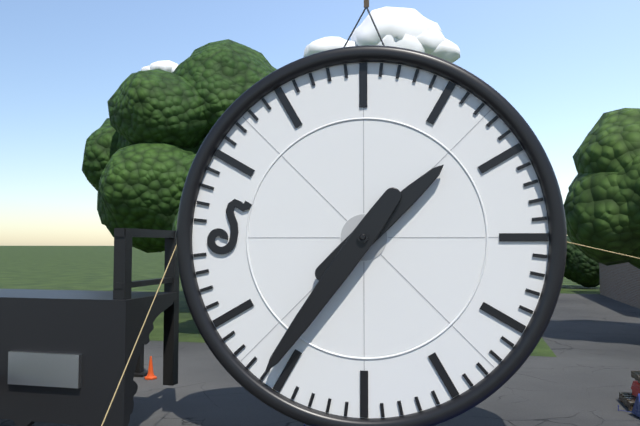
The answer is {"hour": 1, "minute": 36}
